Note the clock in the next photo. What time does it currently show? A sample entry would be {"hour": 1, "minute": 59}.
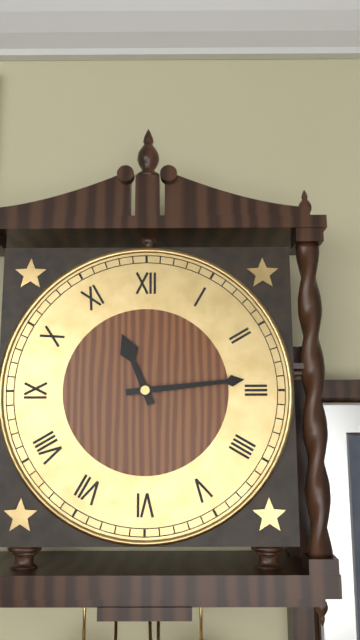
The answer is {"hour": 11, "minute": 14}
